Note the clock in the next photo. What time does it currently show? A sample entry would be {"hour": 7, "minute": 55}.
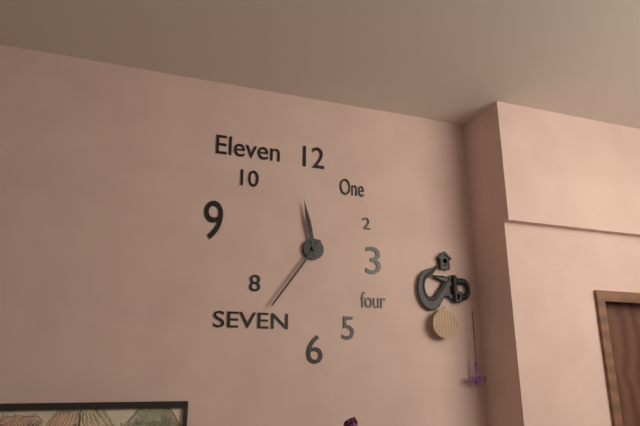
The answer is {"hour": 11, "minute": 36}
